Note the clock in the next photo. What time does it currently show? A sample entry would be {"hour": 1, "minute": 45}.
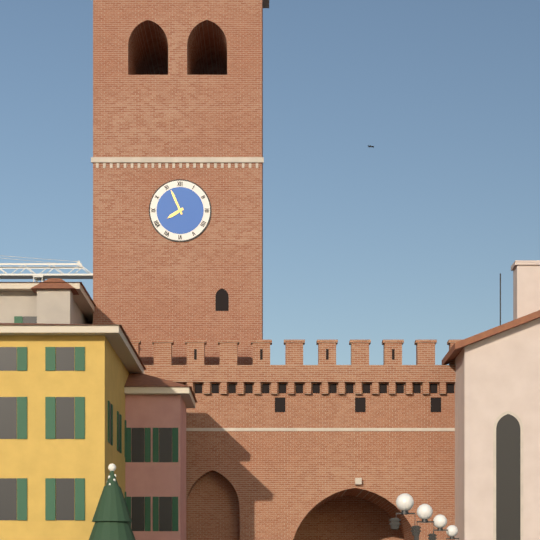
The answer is {"hour": 7, "minute": 56}
